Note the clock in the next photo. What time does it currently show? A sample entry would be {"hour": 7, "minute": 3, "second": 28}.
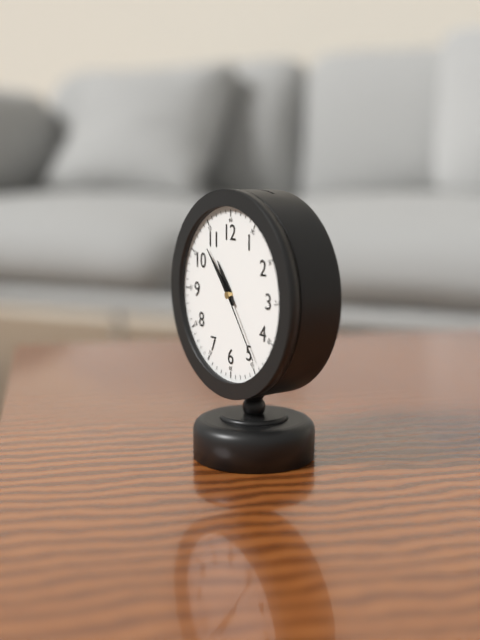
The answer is {"hour": 10, "minute": 53, "second": 24}
